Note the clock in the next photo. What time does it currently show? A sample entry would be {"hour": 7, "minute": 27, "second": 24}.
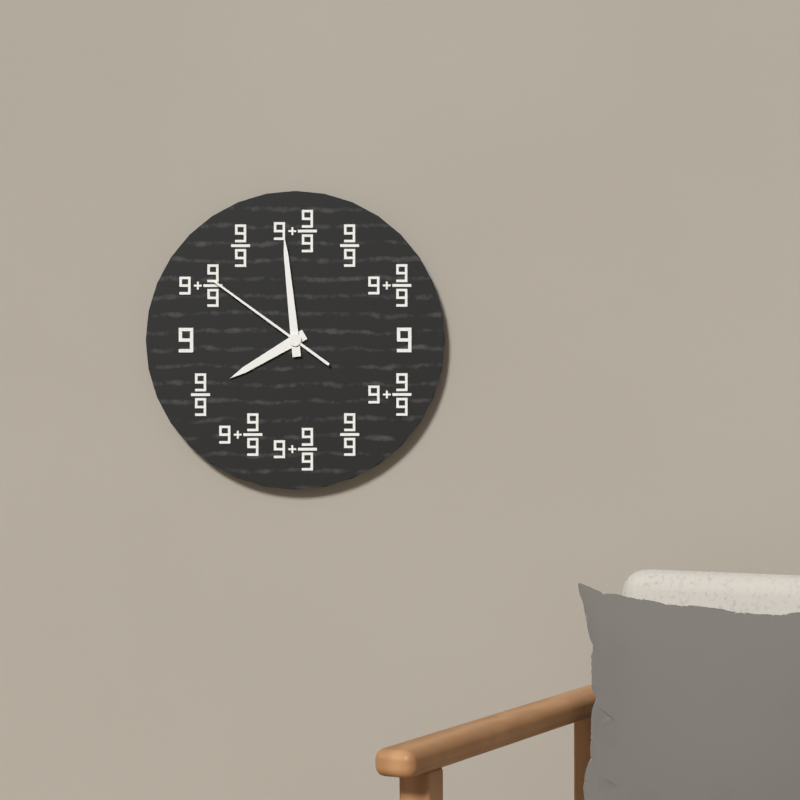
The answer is {"hour": 7, "minute": 59, "second": 51}
